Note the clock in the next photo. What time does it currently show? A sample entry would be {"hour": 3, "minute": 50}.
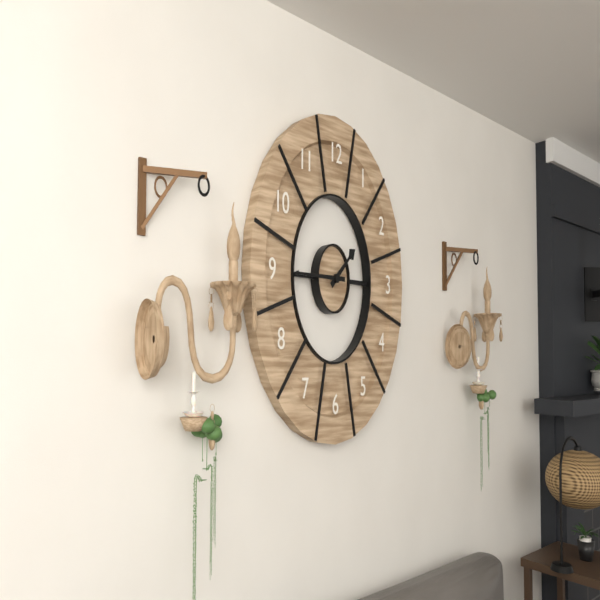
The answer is {"hour": 1, "minute": 45}
